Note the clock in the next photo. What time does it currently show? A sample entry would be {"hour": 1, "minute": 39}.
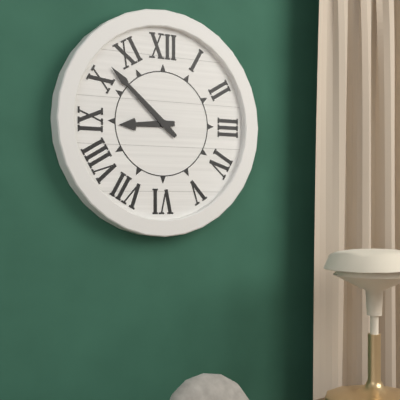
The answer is {"hour": 8, "minute": 52}
